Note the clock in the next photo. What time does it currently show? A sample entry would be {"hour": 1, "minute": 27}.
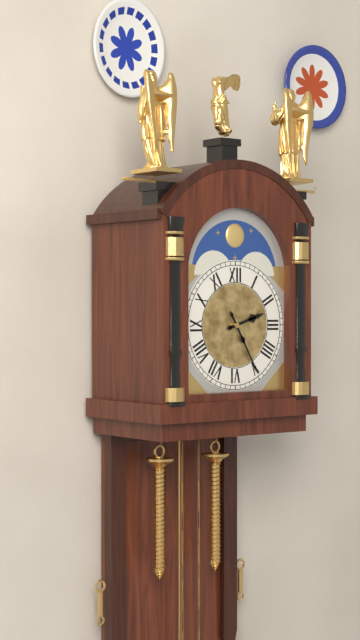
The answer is {"hour": 2, "minute": 25}
